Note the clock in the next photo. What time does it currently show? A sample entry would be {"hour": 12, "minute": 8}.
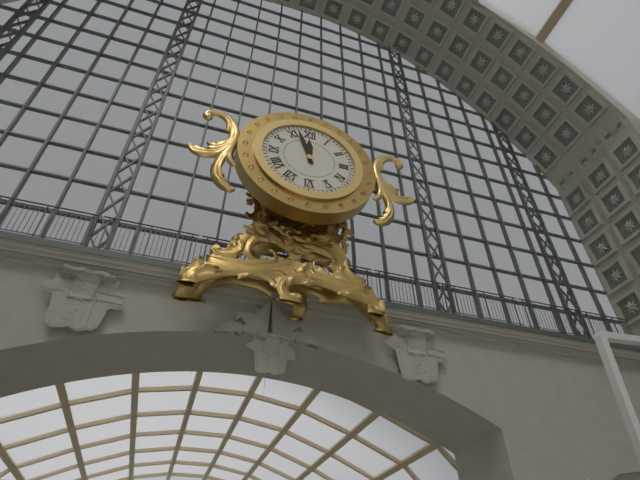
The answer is {"hour": 11, "minute": 57}
